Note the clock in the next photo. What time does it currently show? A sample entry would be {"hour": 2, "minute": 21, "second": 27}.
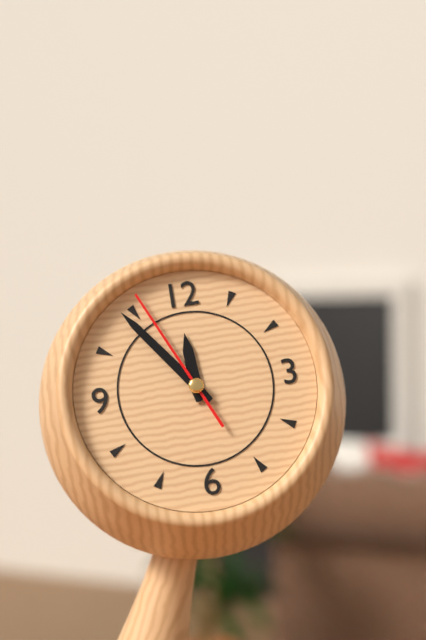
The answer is {"hour": 11, "minute": 54, "second": 56}
